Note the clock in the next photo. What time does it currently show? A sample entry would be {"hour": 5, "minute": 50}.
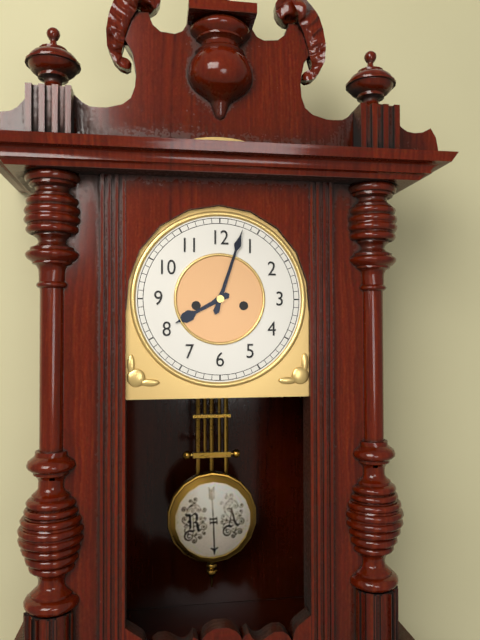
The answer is {"hour": 8, "minute": 3}
